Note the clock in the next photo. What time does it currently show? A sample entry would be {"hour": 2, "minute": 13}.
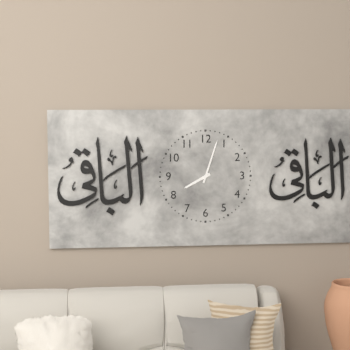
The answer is {"hour": 8, "minute": 3}
